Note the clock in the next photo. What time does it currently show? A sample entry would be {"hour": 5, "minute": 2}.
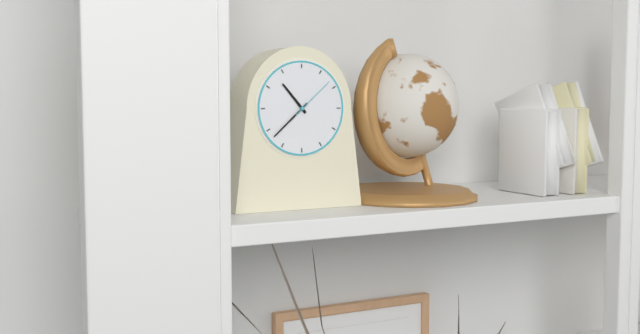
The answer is {"hour": 10, "minute": 38}
